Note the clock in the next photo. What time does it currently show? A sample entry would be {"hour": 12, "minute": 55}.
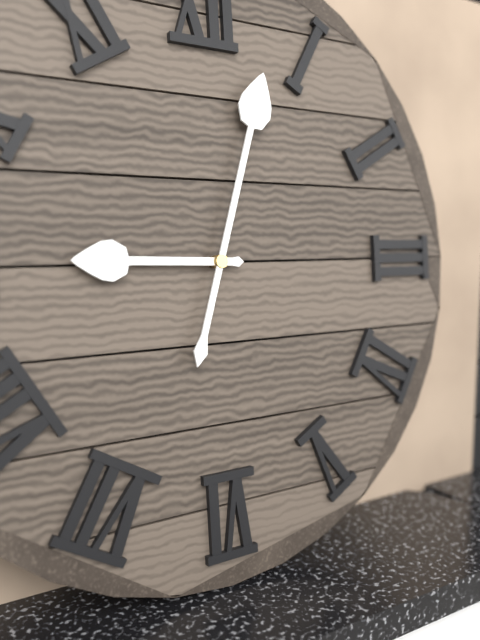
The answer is {"hour": 9, "minute": 3}
